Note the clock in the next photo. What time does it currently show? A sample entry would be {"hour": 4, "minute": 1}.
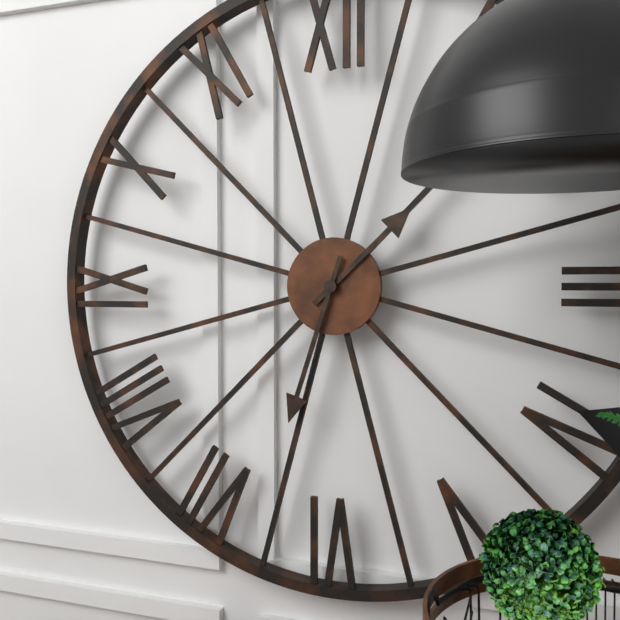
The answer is {"hour": 1, "minute": 33}
